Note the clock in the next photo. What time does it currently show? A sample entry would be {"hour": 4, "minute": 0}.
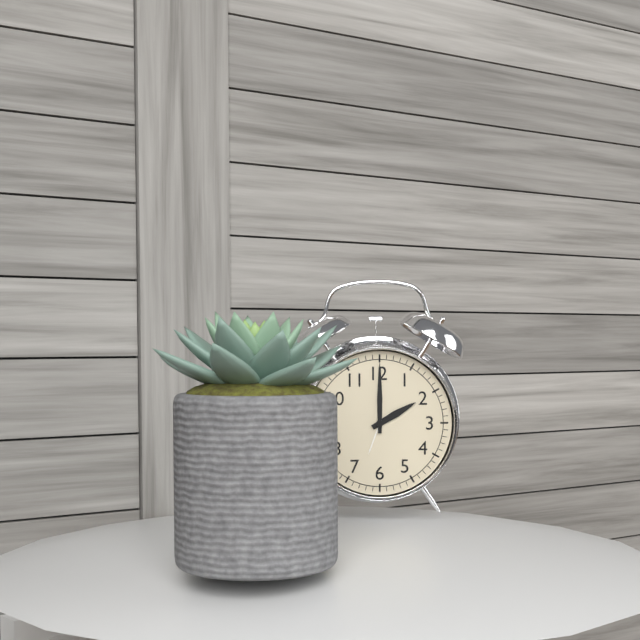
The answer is {"hour": 2, "minute": 0}
